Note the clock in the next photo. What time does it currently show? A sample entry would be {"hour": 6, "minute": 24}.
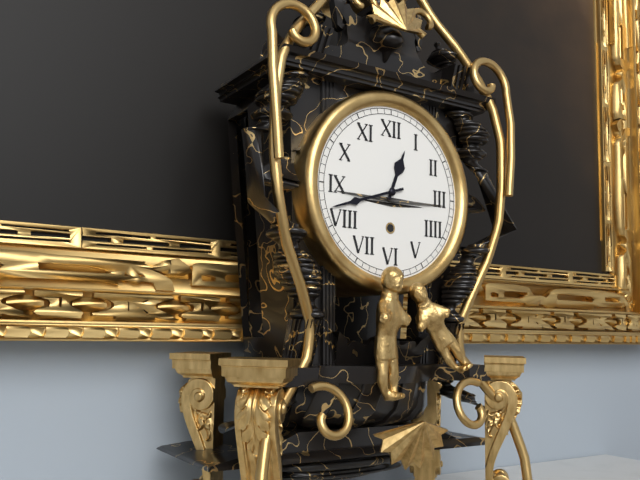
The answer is {"hour": 12, "minute": 42}
